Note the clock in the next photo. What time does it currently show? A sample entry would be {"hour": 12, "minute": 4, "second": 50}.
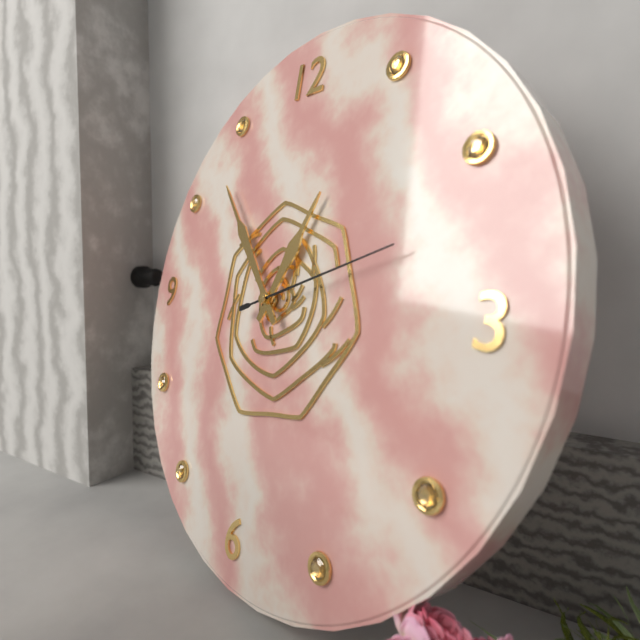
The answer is {"hour": 12, "minute": 53, "second": 12}
